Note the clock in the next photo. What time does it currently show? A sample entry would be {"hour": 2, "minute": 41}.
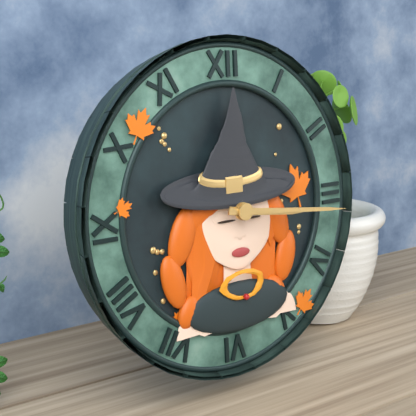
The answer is {"hour": 3, "minute": 16}
